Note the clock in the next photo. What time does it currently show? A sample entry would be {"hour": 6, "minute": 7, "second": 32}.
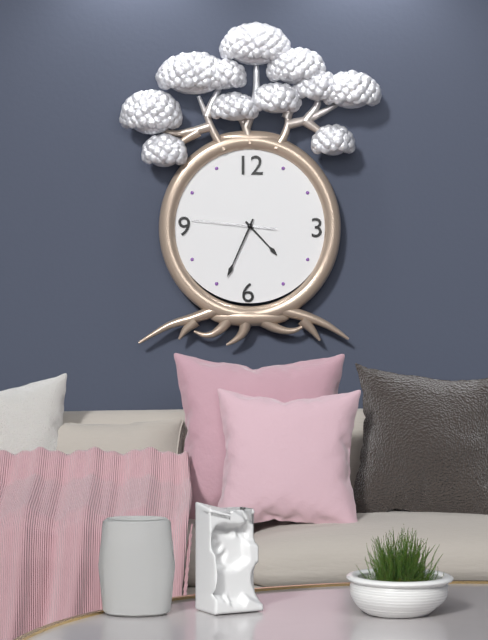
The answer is {"hour": 4, "minute": 34, "second": 46}
